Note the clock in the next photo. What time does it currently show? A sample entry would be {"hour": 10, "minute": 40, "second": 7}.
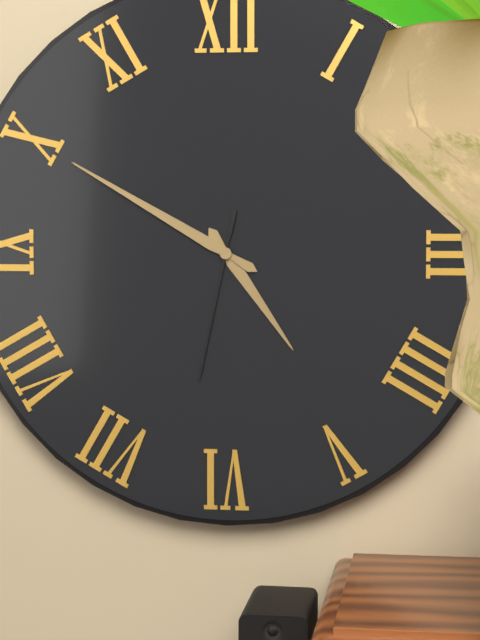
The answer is {"hour": 4, "minute": 50, "second": 32}
